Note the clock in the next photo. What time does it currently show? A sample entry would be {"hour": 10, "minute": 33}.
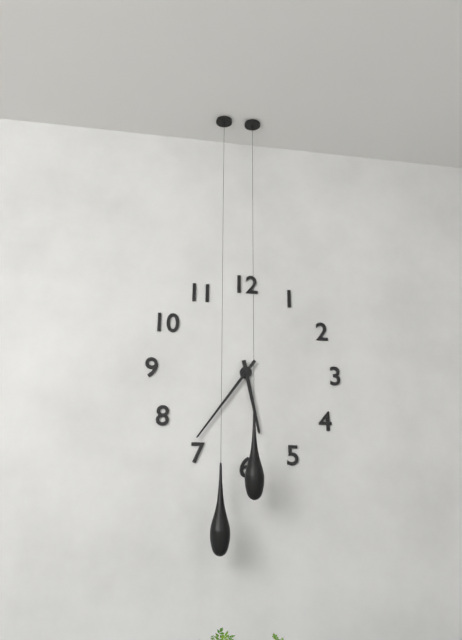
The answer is {"hour": 5, "minute": 36}
